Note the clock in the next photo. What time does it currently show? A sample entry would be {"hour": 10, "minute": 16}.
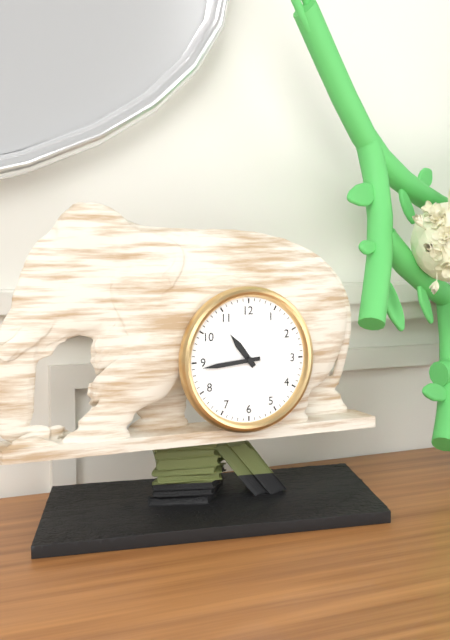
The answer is {"hour": 10, "minute": 44}
